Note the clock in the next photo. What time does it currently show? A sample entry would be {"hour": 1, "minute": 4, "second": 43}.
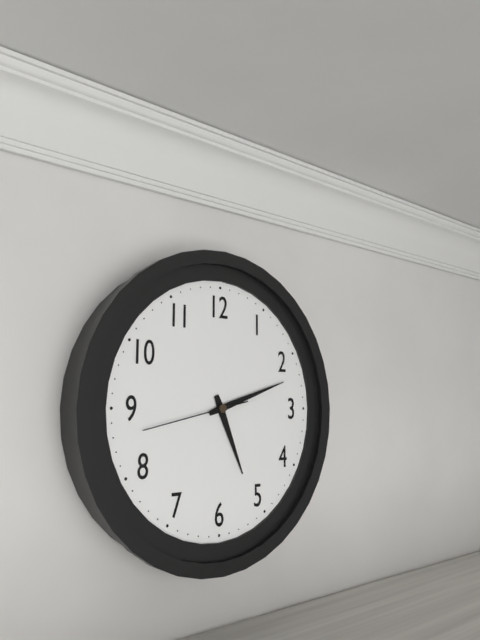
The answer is {"hour": 5, "minute": 12, "second": 43}
